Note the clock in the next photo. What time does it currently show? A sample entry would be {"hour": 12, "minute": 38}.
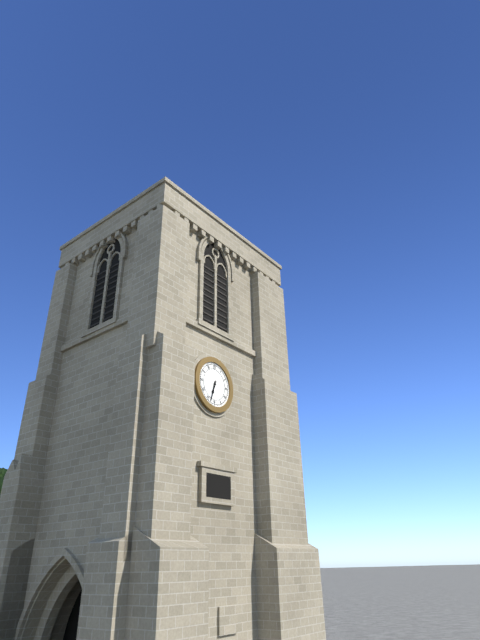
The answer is {"hour": 6, "minute": 33}
